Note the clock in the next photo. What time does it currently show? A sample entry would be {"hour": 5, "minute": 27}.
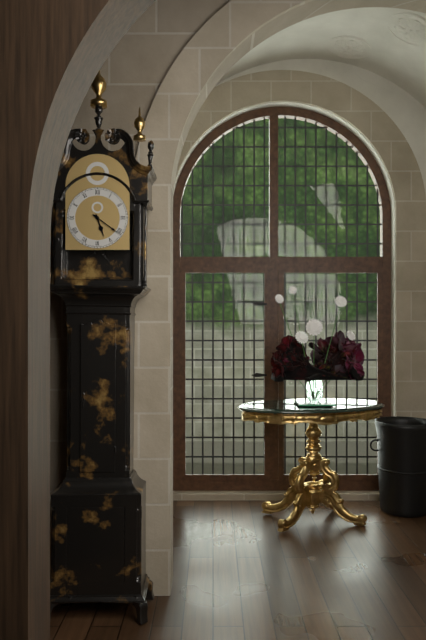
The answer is {"hour": 5, "minute": 21}
